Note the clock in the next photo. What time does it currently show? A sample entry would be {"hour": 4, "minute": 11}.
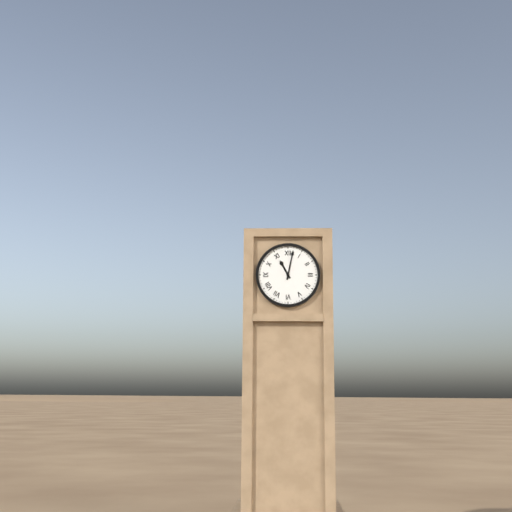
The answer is {"hour": 11, "minute": 2}
